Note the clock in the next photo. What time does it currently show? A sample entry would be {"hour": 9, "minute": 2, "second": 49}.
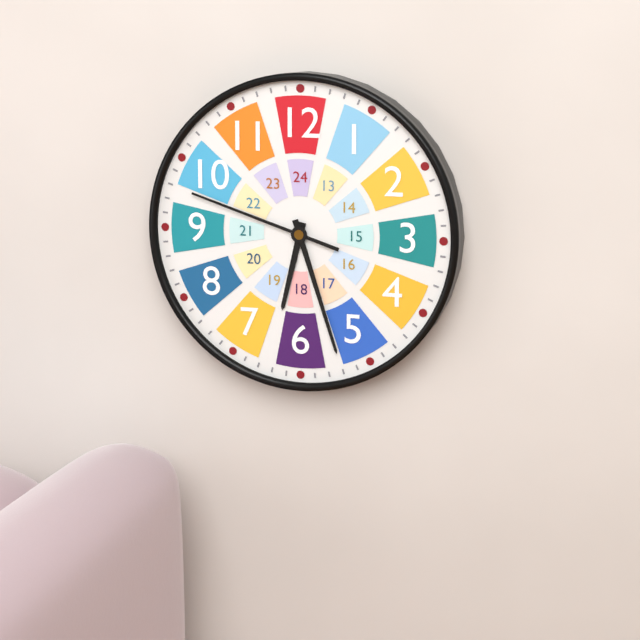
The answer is {"hour": 6, "minute": 27, "second": 48}
